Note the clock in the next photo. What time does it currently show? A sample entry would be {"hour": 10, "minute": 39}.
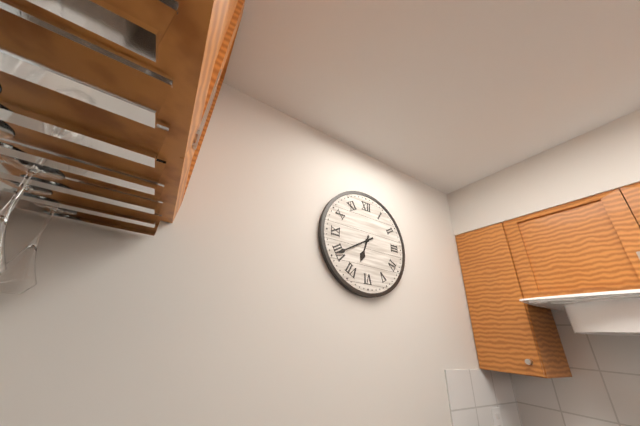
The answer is {"hour": 6, "minute": 40}
